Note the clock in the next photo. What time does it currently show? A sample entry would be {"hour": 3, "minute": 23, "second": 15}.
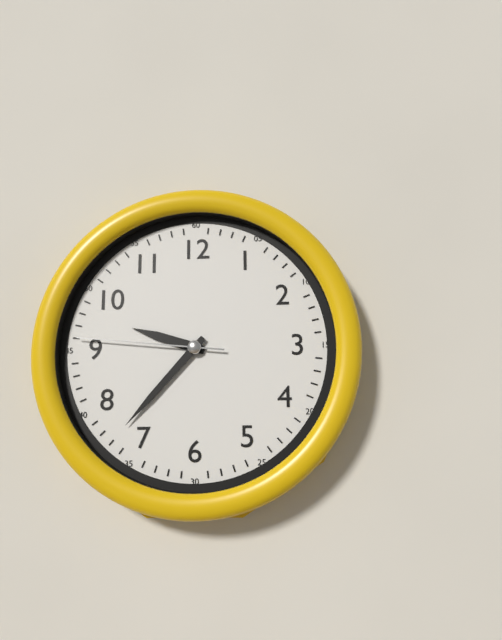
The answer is {"hour": 9, "minute": 37, "second": 46}
